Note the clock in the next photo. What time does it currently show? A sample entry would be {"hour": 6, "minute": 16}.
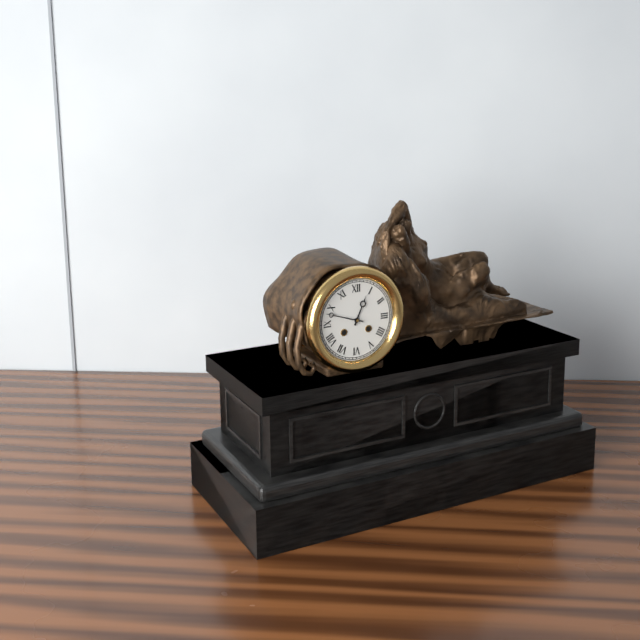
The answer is {"hour": 12, "minute": 48}
